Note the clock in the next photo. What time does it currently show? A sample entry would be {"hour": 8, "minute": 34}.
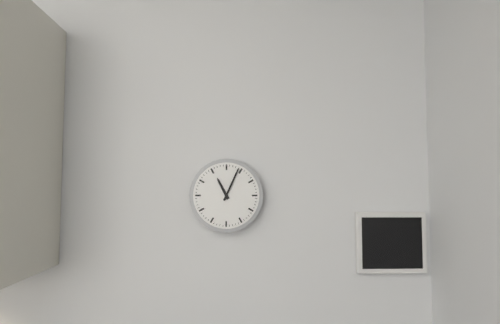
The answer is {"hour": 11, "minute": 4}
